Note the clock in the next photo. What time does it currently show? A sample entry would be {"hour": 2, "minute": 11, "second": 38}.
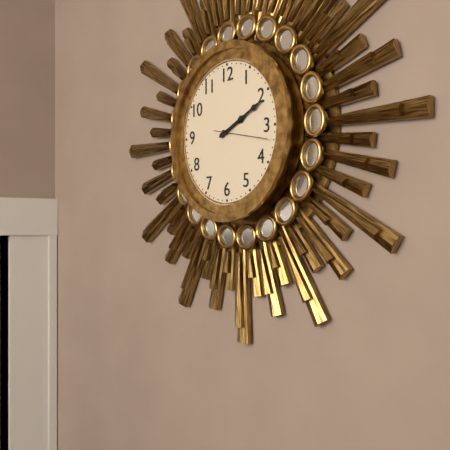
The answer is {"hour": 2, "minute": 11, "second": 17}
